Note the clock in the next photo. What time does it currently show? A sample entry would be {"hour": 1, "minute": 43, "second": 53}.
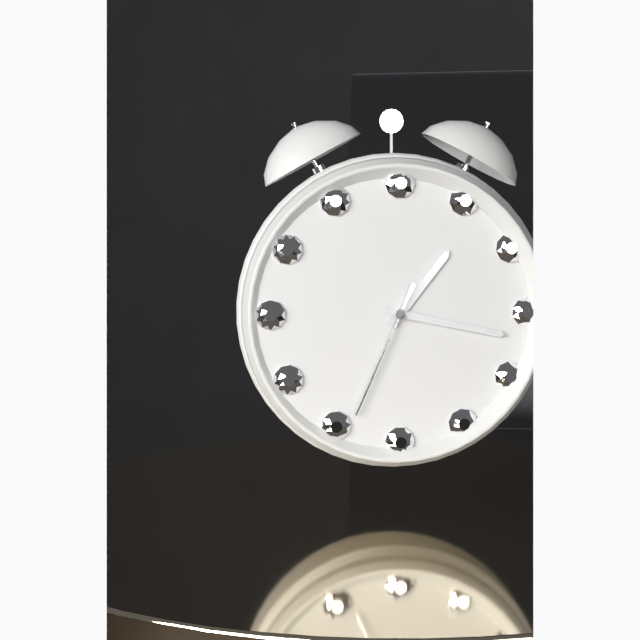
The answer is {"hour": 1, "minute": 17, "second": 34}
